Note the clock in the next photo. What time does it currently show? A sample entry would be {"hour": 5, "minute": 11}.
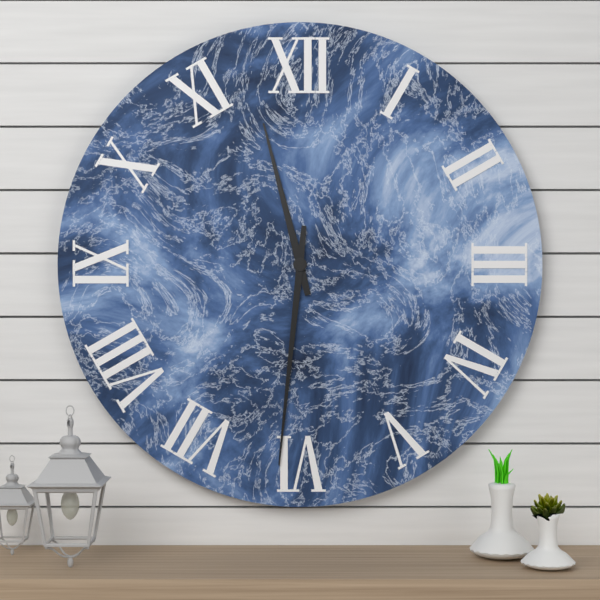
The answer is {"hour": 11, "minute": 31}
